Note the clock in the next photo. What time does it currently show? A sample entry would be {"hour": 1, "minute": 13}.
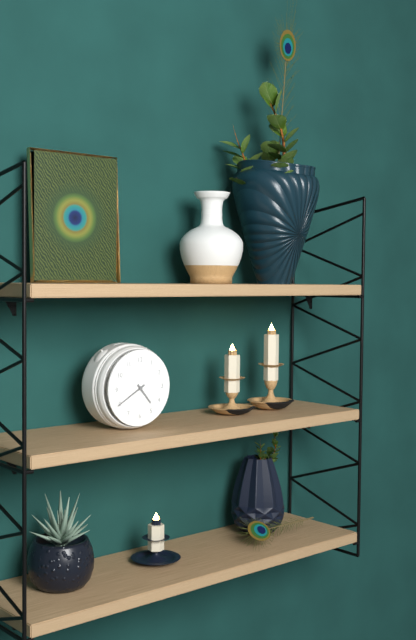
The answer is {"hour": 4, "minute": 40}
